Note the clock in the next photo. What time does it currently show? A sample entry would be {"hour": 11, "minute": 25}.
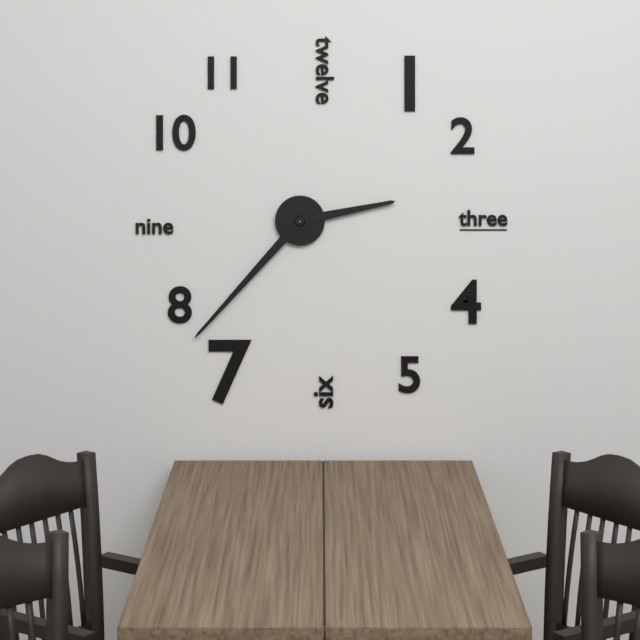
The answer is {"hour": 2, "minute": 37}
